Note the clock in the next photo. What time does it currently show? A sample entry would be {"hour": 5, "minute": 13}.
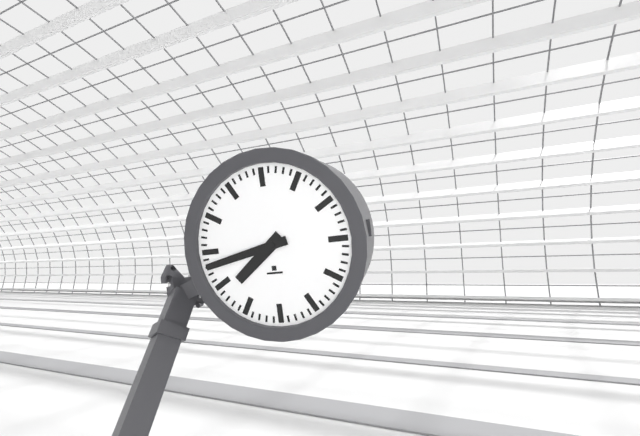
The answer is {"hour": 7, "minute": 43}
